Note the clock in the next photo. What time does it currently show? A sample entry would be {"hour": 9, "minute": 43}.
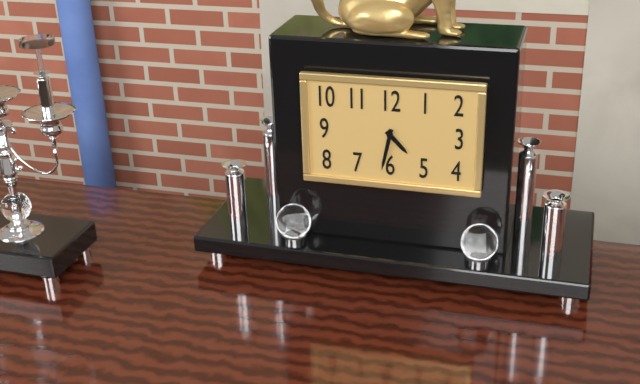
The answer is {"hour": 4, "minute": 32}
